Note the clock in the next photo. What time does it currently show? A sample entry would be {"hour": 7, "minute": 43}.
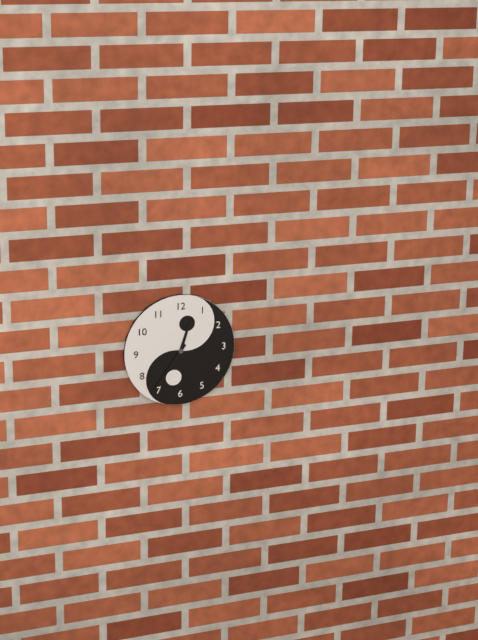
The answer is {"hour": 12, "minute": 36}
